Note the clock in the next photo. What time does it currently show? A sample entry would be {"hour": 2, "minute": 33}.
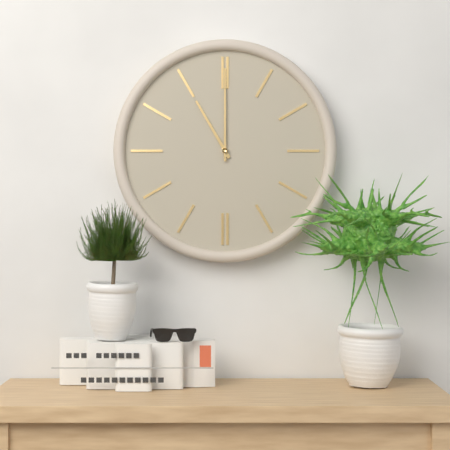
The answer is {"hour": 11, "minute": 0}
